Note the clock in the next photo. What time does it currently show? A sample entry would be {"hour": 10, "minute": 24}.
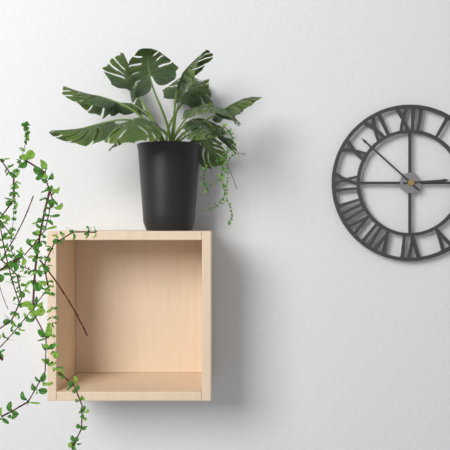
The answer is {"hour": 2, "minute": 52}
